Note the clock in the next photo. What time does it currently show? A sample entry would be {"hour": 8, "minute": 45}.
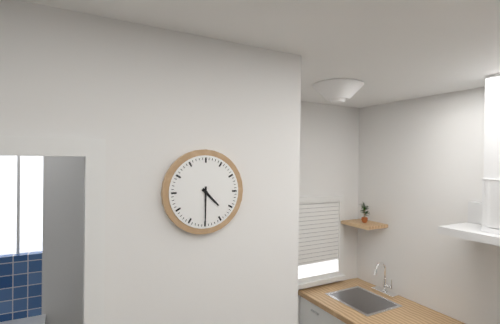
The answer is {"hour": 4, "minute": 30}
